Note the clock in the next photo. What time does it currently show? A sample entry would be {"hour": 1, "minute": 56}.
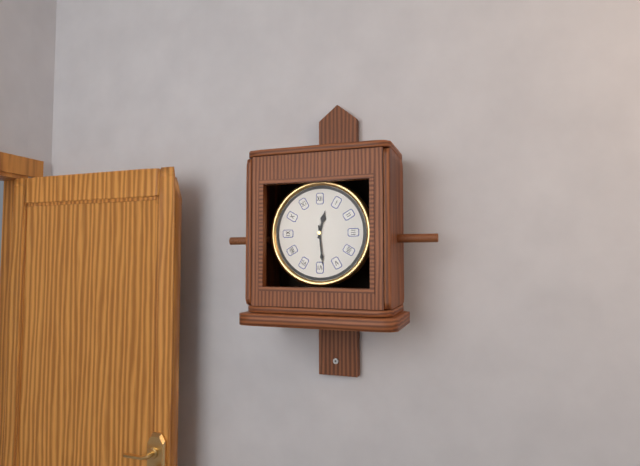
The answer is {"hour": 12, "minute": 29}
